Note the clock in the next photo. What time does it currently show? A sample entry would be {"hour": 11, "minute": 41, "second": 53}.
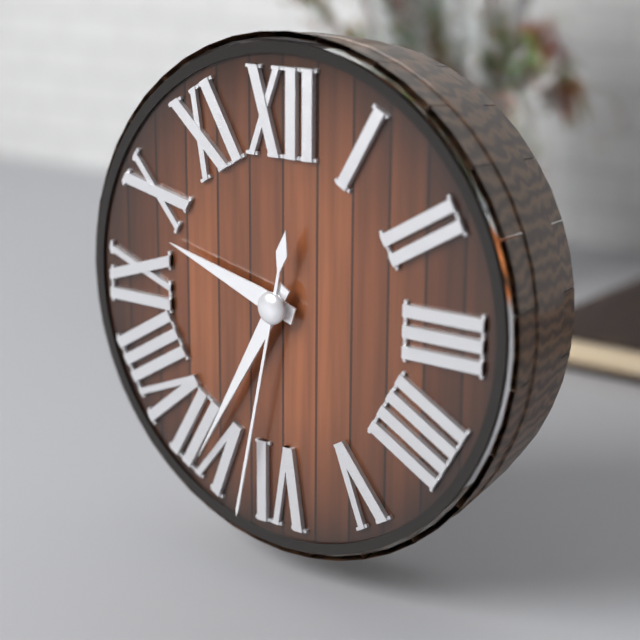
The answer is {"hour": 9, "minute": 35, "second": 32}
